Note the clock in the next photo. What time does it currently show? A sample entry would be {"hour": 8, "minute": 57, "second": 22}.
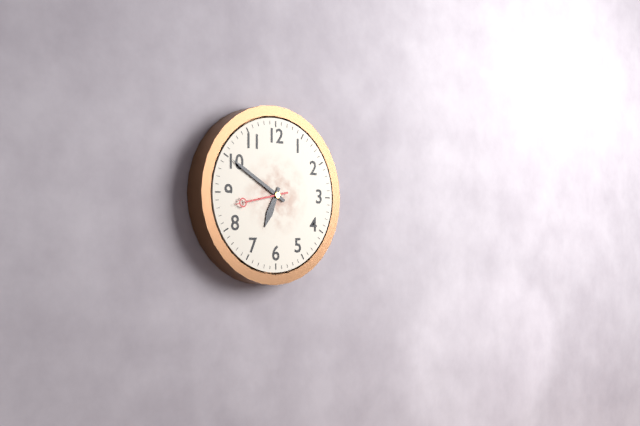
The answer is {"hour": 6, "minute": 50, "second": 43}
